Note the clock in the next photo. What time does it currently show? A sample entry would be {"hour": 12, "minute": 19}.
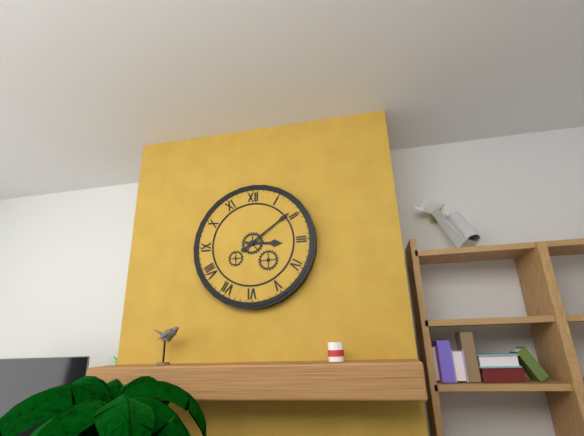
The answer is {"hour": 3, "minute": 9}
